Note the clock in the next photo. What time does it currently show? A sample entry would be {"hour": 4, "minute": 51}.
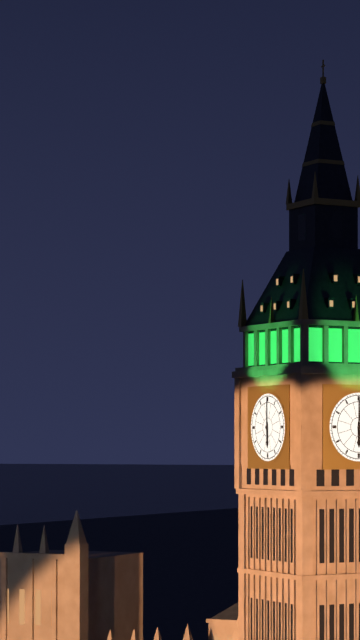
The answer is {"hour": 6, "minute": 0}
